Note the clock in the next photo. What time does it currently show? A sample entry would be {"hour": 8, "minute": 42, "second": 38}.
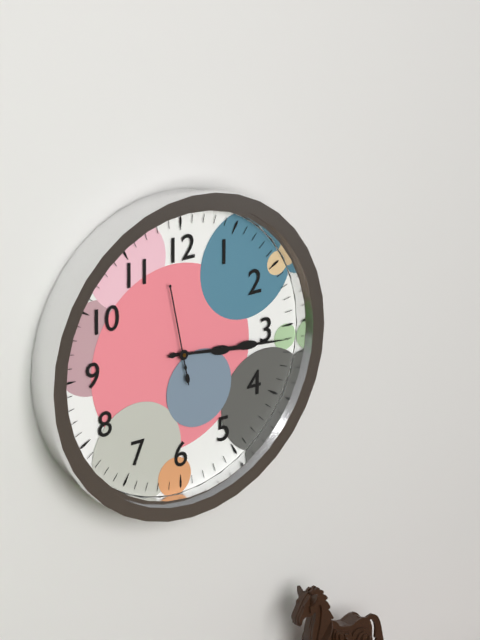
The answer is {"hour": 3, "minute": 16, "second": 58}
